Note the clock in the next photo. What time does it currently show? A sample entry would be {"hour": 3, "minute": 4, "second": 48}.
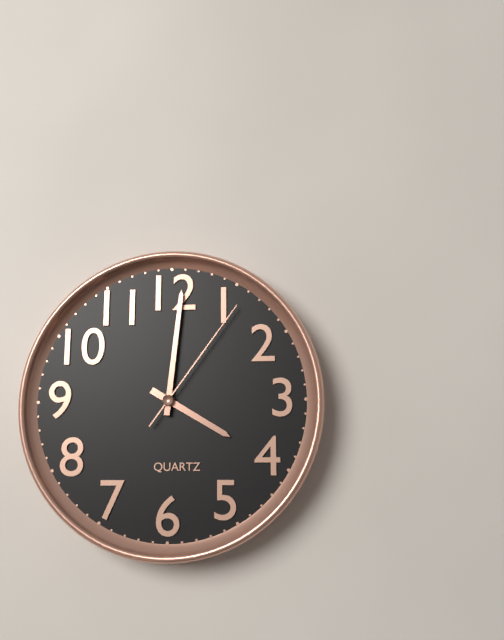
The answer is {"hour": 4, "minute": 1, "second": 6}
